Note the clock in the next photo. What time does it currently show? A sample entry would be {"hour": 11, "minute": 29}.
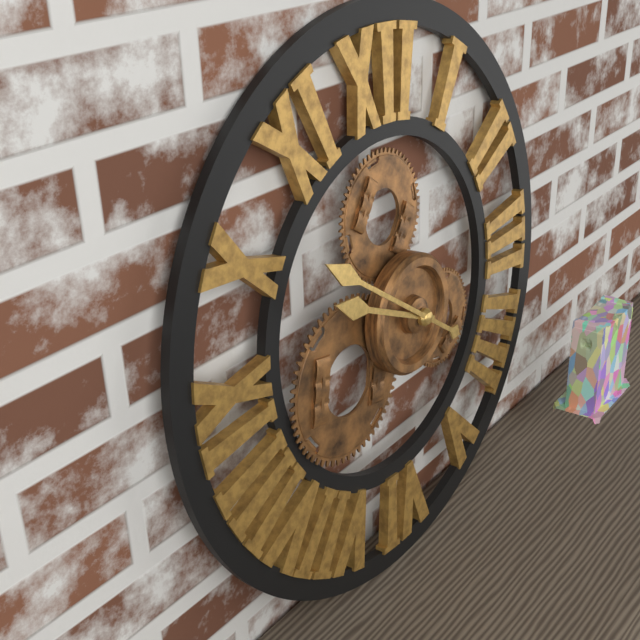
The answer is {"hour": 9, "minute": 51}
